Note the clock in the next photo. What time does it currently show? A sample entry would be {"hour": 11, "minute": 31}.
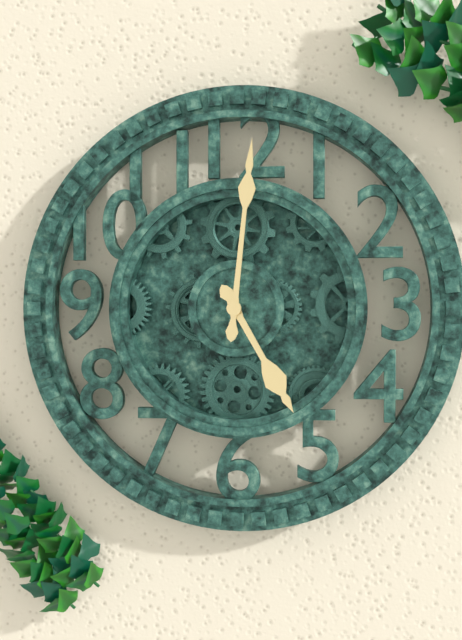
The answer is {"hour": 5, "minute": 1}
